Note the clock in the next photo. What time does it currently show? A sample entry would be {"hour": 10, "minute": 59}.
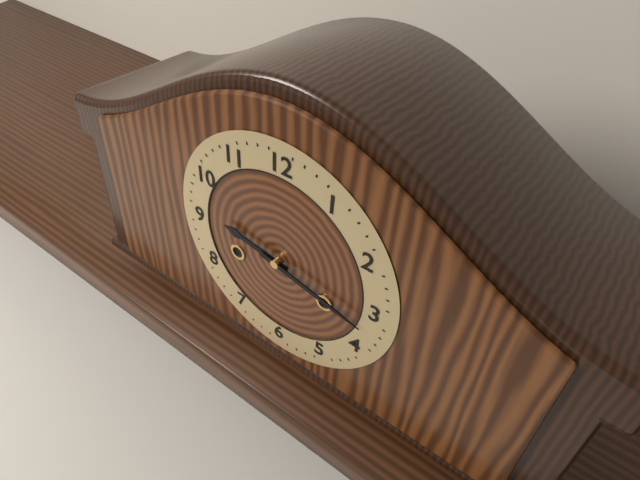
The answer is {"hour": 9, "minute": 17}
